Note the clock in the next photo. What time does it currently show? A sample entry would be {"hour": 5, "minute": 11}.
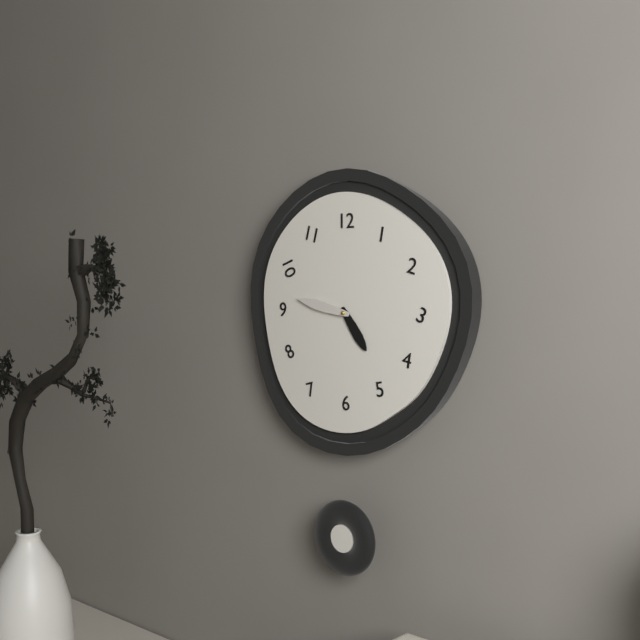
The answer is {"hour": 4, "minute": 47}
